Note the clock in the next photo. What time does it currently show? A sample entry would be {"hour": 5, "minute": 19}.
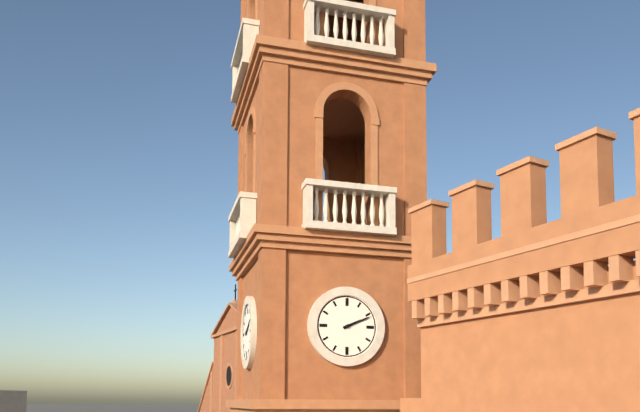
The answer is {"hour": 2, "minute": 11}
